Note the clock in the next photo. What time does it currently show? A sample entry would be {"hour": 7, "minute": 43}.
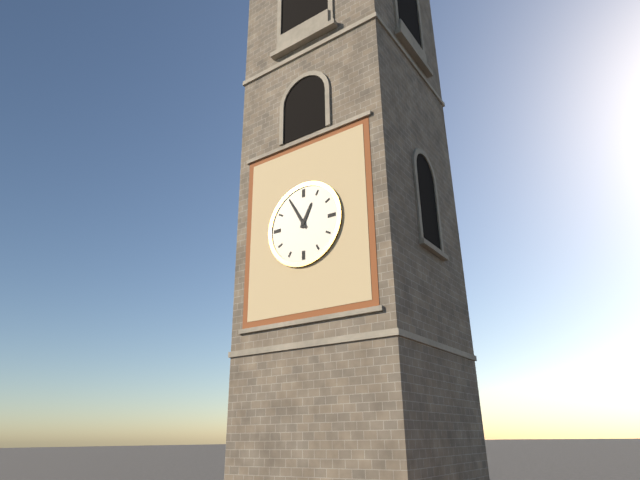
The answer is {"hour": 12, "minute": 55}
